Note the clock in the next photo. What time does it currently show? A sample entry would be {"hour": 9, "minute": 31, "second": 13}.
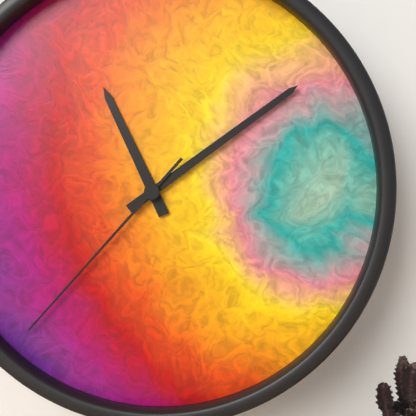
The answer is {"hour": 11, "minute": 9, "second": 37}
